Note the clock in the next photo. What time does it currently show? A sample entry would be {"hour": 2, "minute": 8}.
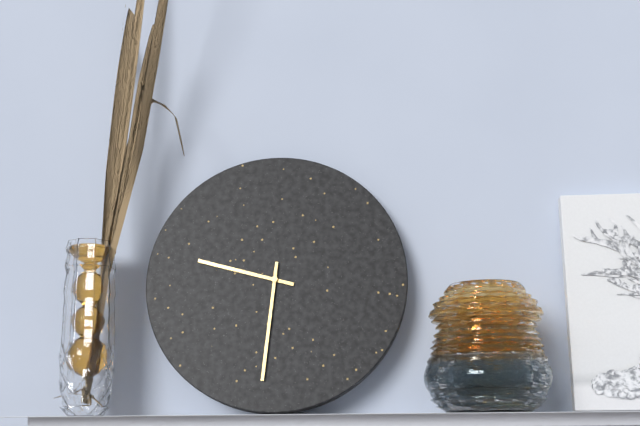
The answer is {"hour": 9, "minute": 31}
